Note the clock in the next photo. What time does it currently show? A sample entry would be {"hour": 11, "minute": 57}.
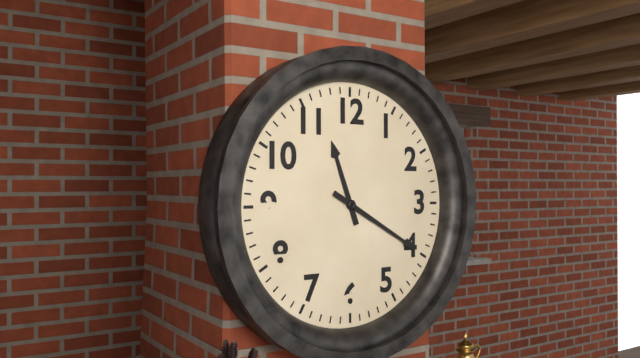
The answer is {"hour": 11, "minute": 20}
